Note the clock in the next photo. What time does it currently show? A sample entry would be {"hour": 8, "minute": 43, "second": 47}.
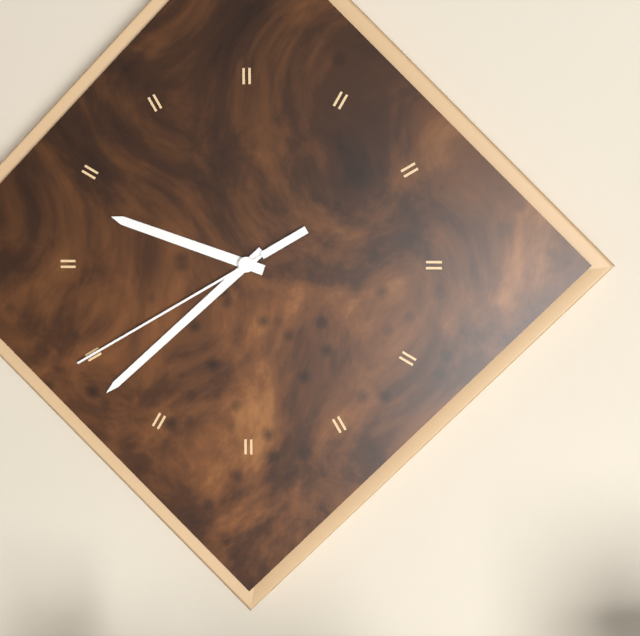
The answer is {"hour": 9, "minute": 38, "second": 40}
